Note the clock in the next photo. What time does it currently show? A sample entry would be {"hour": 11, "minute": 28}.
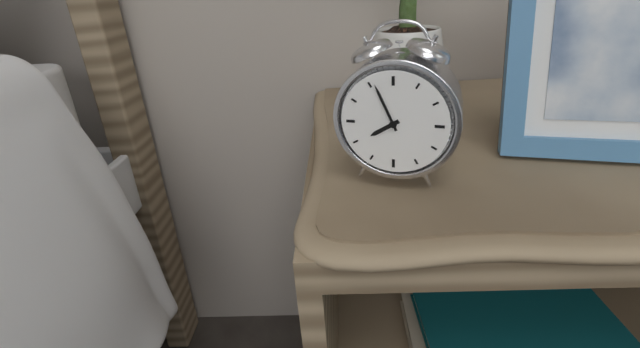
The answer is {"hour": 7, "minute": 56}
